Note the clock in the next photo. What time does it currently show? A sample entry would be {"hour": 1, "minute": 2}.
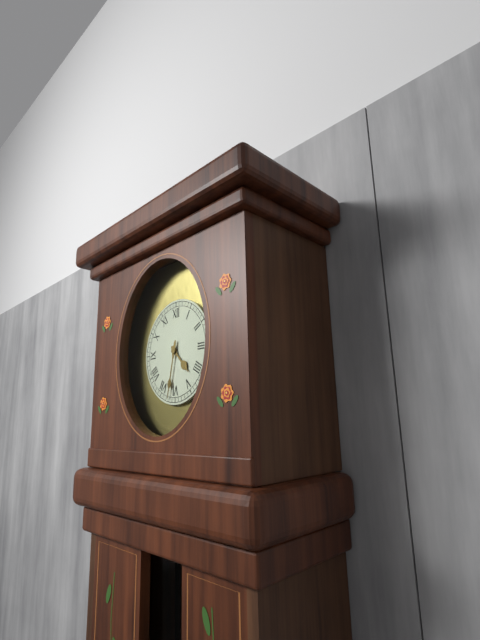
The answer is {"hour": 4, "minute": 32}
